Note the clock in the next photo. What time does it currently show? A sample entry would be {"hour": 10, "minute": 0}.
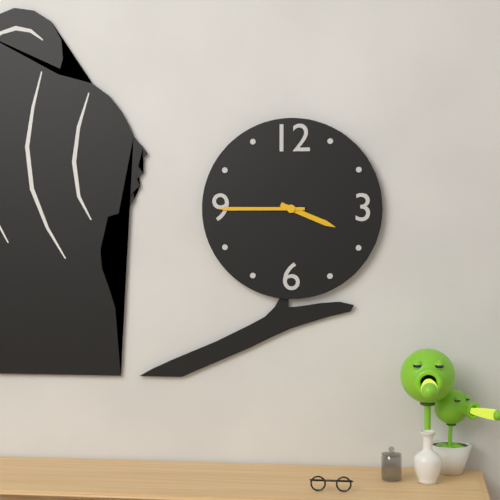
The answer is {"hour": 3, "minute": 45}
